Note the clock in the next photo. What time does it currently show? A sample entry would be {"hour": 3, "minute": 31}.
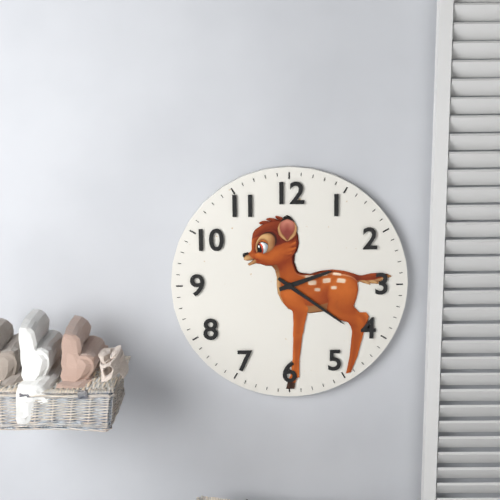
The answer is {"hour": 2, "minute": 21}
